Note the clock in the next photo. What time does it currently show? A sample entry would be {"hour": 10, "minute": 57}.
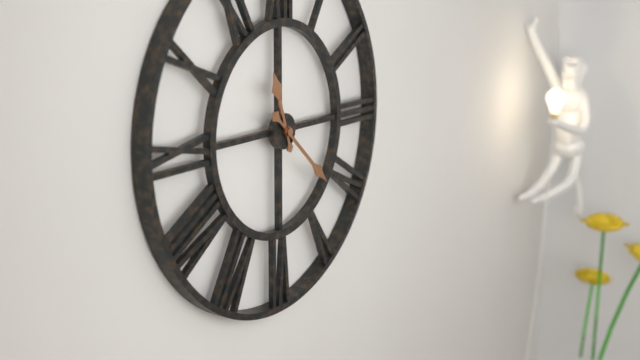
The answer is {"hour": 11, "minute": 22}
